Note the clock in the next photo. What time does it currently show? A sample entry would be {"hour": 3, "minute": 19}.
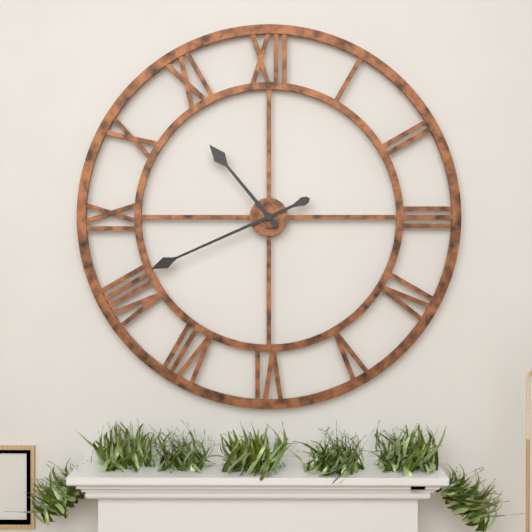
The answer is {"hour": 10, "minute": 41}
